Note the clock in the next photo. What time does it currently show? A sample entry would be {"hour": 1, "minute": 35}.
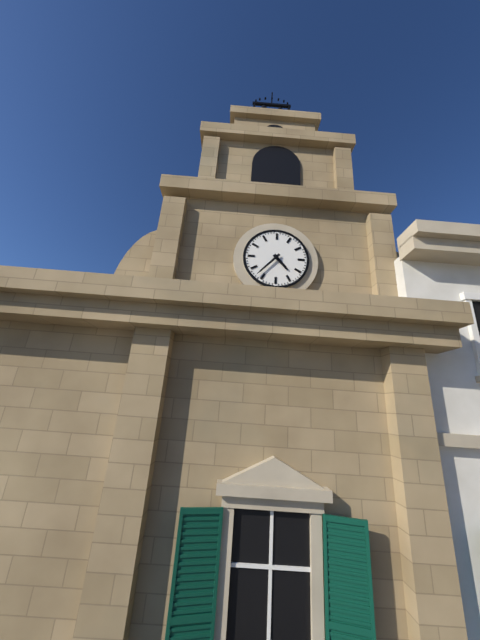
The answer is {"hour": 4, "minute": 37}
